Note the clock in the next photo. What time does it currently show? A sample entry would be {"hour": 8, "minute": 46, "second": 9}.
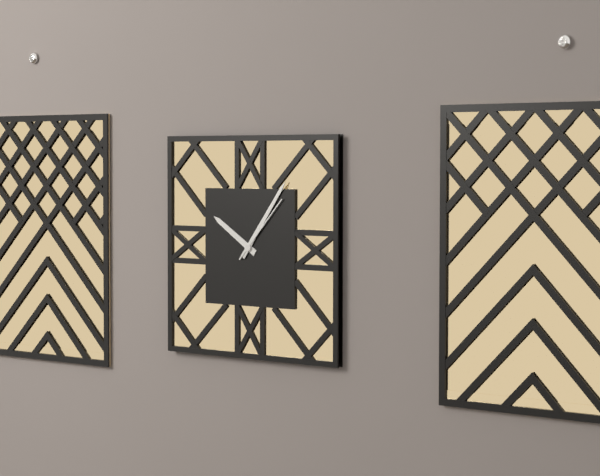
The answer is {"hour": 10, "minute": 6, "second": 7}
